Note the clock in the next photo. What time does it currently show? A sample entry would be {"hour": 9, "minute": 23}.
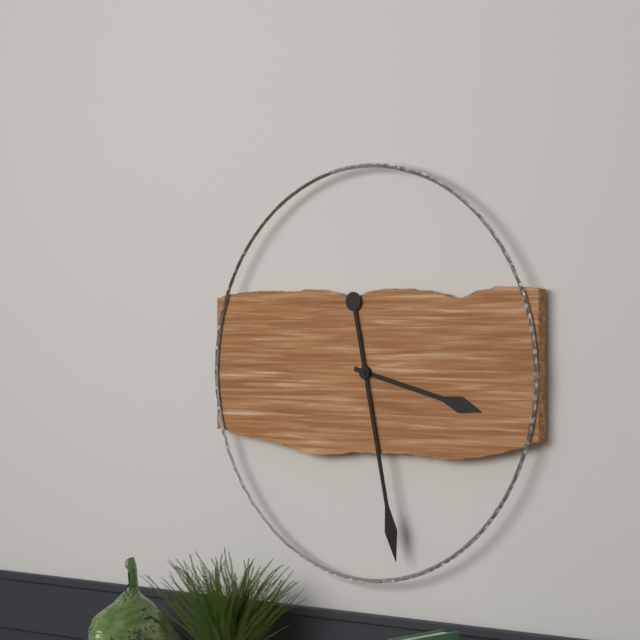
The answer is {"hour": 3, "minute": 28}
